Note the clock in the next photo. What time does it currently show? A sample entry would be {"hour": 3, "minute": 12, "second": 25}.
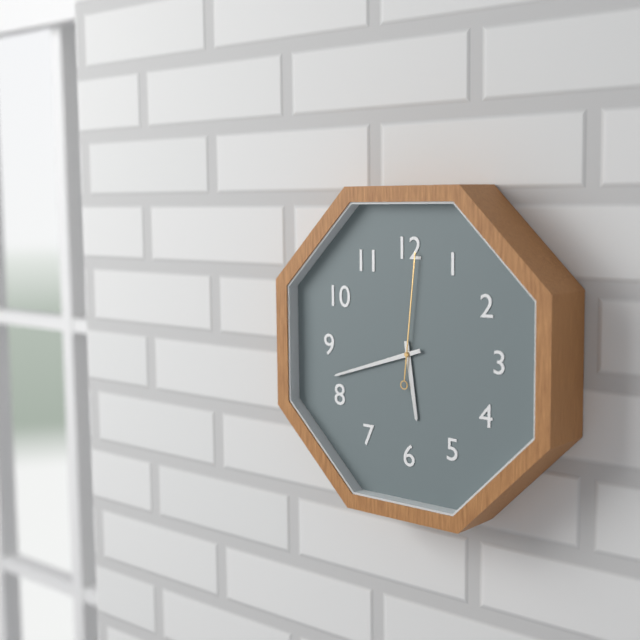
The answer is {"hour": 5, "minute": 42, "second": 1}
